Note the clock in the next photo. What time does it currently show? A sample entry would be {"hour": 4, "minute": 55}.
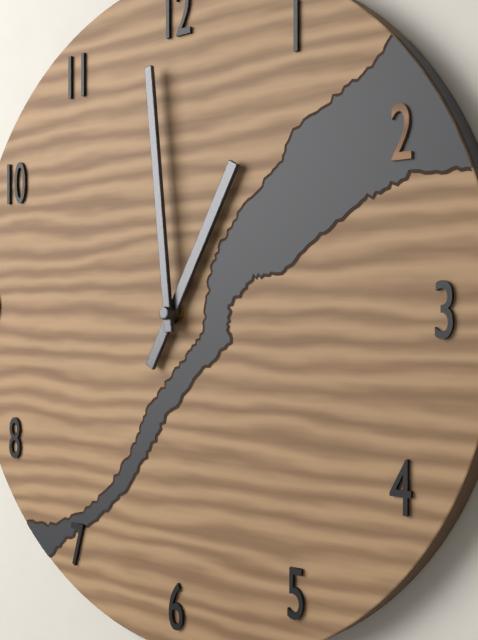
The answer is {"hour": 12, "minute": 59}
